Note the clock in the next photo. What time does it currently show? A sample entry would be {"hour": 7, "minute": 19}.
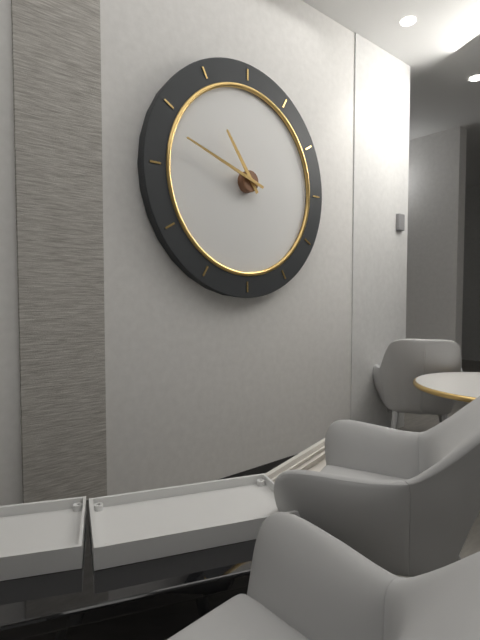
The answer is {"hour": 10, "minute": 48}
